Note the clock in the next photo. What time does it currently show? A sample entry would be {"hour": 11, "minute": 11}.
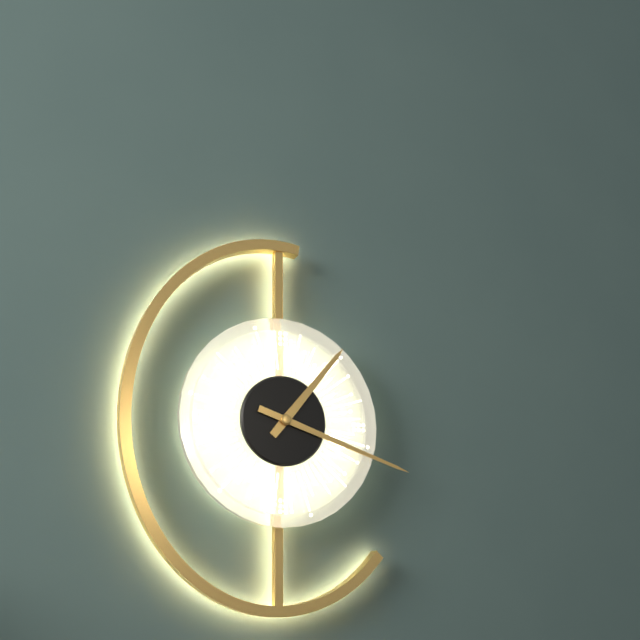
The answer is {"hour": 1, "minute": 18}
